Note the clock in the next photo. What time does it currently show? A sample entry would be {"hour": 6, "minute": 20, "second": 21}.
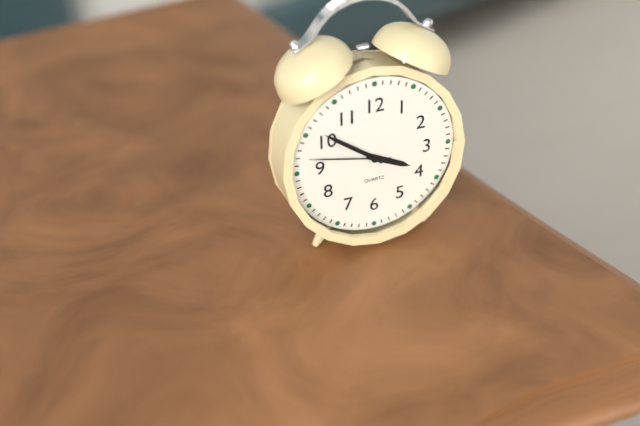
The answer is {"hour": 3, "minute": 51, "second": 47}
